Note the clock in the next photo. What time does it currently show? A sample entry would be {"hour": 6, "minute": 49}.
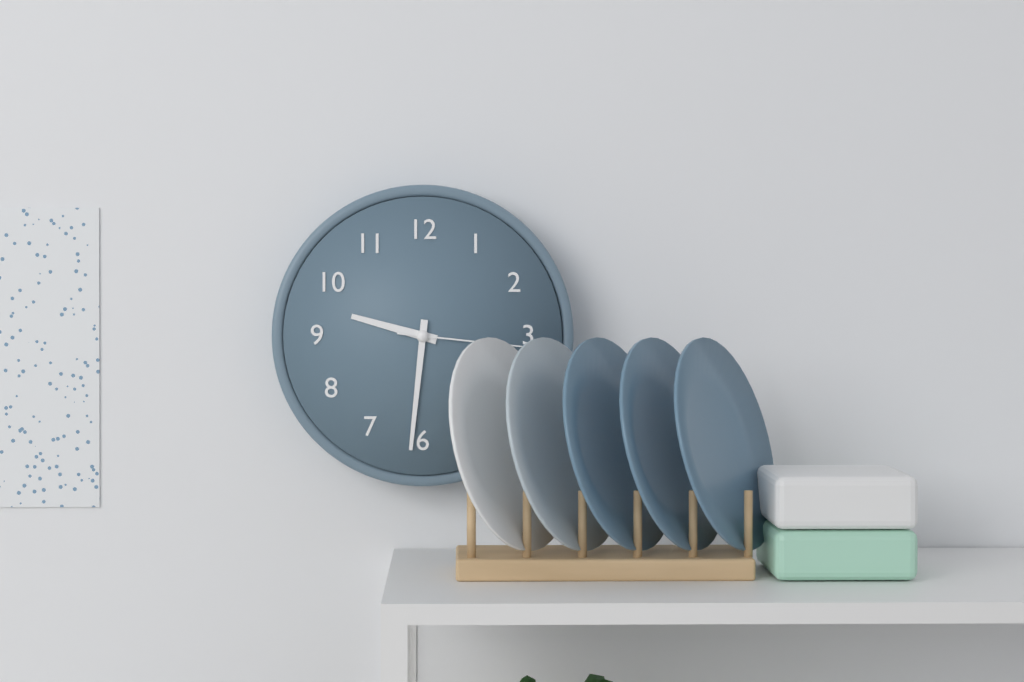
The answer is {"hour": 9, "minute": 31}
